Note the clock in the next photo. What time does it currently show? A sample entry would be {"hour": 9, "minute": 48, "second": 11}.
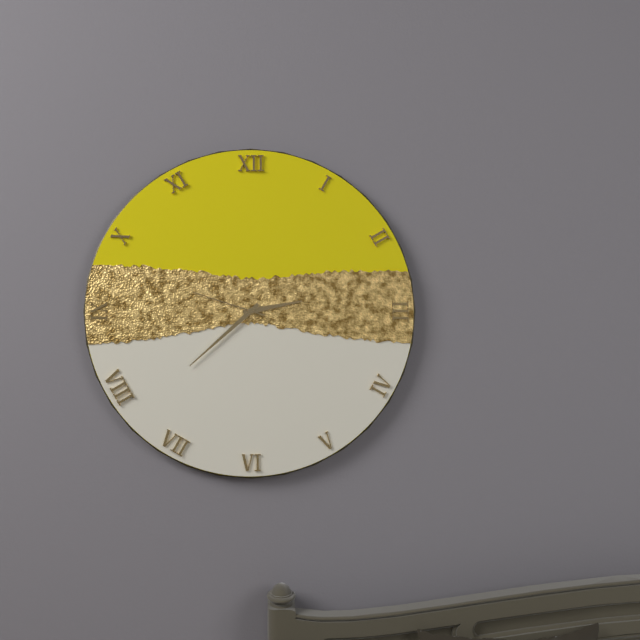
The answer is {"hour": 2, "minute": 38, "second": 48}
